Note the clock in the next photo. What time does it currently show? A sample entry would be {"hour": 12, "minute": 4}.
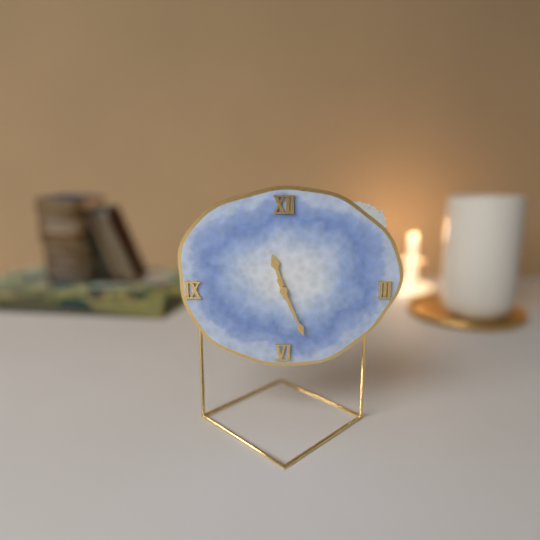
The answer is {"hour": 11, "minute": 26}
